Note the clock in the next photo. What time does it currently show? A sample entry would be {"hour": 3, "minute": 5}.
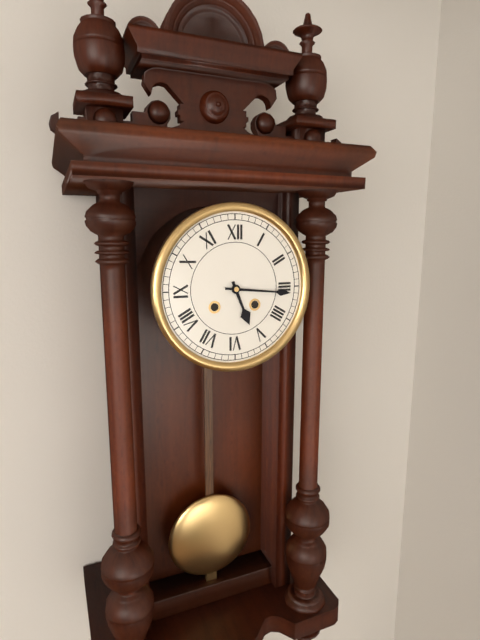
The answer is {"hour": 5, "minute": 16}
